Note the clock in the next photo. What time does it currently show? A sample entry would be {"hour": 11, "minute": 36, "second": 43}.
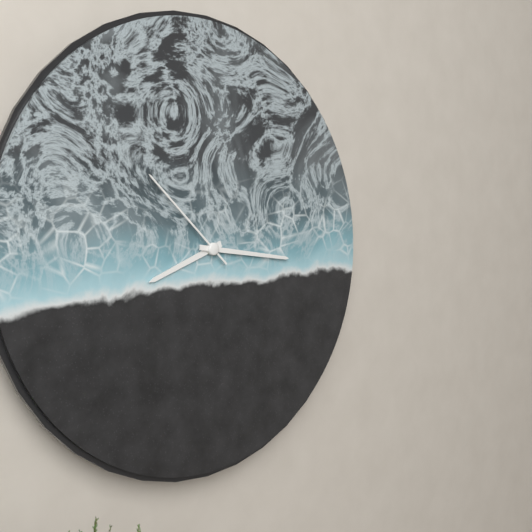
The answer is {"hour": 8, "minute": 16, "second": 52}
